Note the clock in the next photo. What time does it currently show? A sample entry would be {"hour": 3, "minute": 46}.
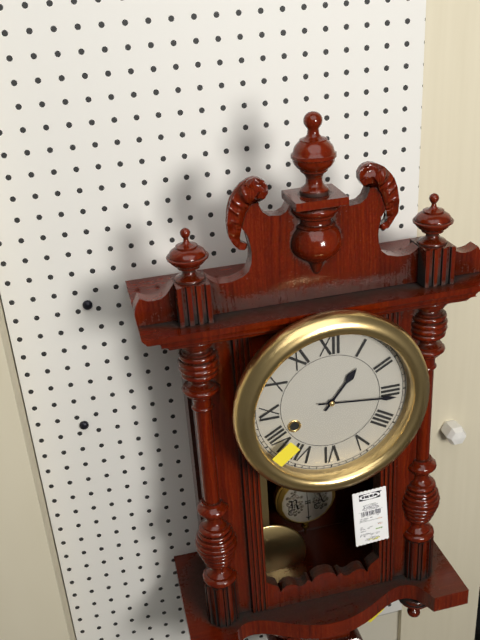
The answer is {"hour": 1, "minute": 16}
